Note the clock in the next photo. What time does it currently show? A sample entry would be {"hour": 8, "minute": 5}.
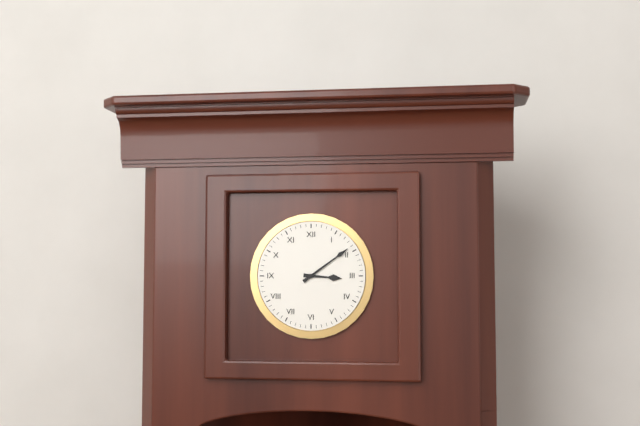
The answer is {"hour": 3, "minute": 9}
